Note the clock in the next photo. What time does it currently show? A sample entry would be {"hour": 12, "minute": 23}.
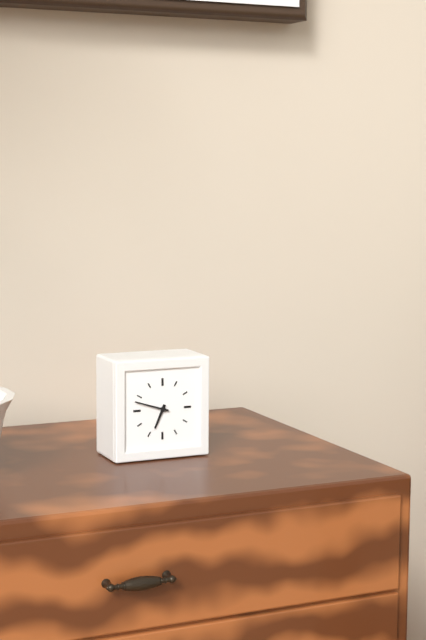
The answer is {"hour": 6, "minute": 48}
